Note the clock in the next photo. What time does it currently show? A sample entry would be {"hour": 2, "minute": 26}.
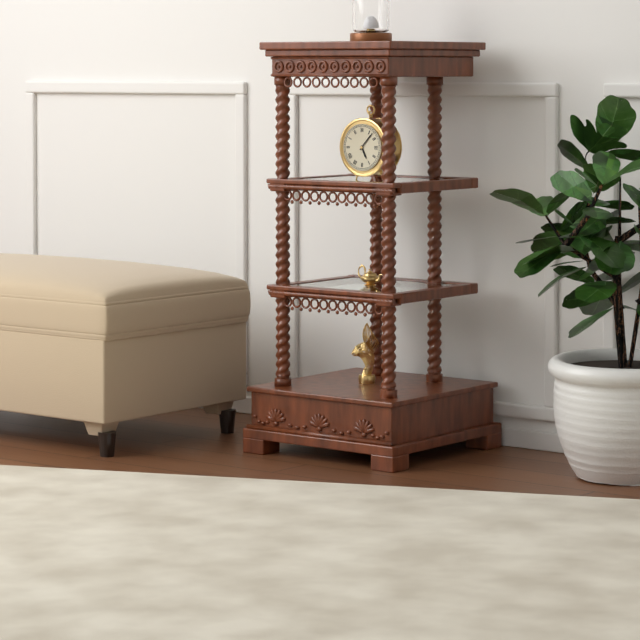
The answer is {"hour": 5, "minute": 7}
